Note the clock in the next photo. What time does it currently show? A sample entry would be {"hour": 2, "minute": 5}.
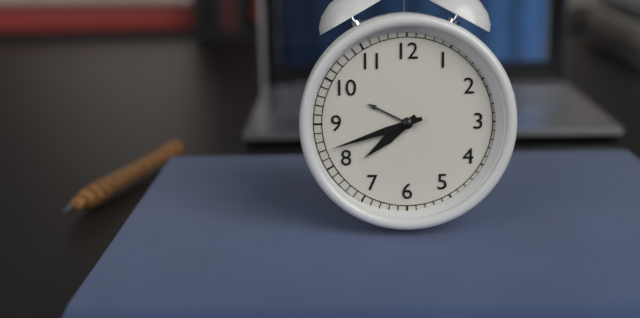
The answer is {"hour": 7, "minute": 42}
